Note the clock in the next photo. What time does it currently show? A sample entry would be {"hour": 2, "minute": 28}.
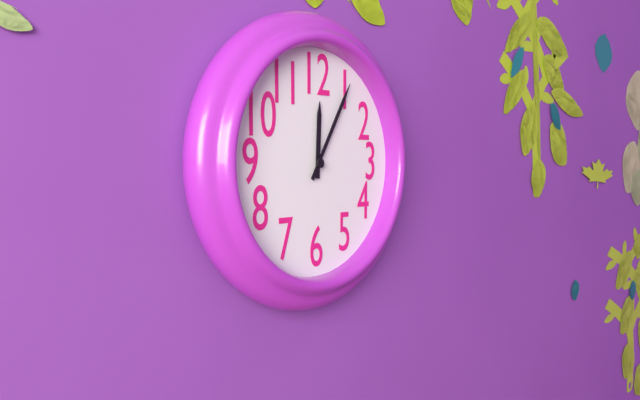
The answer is {"hour": 12, "minute": 5}
